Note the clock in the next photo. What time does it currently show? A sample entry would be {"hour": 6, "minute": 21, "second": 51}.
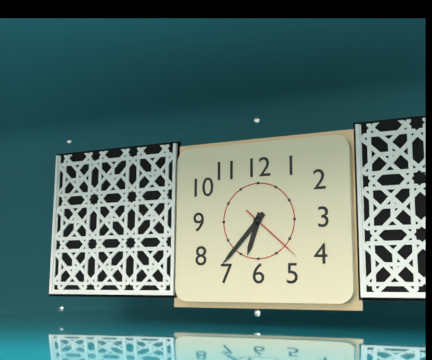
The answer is {"hour": 6, "minute": 37, "second": 22}
